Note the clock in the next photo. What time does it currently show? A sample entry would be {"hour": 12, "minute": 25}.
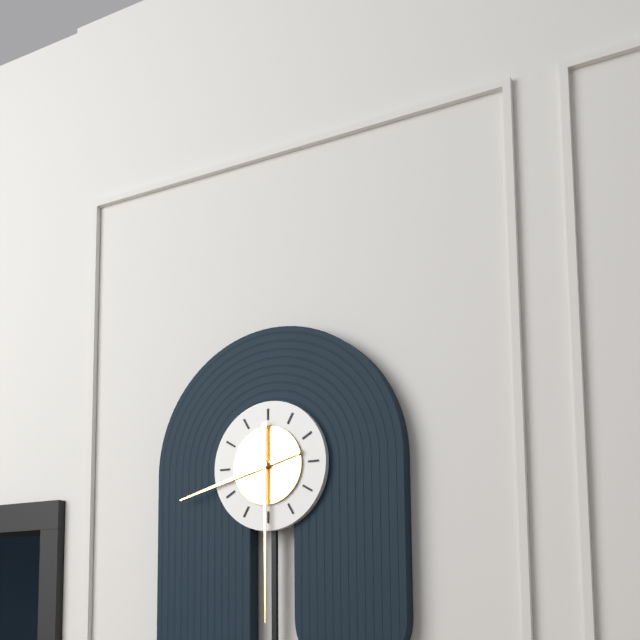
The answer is {"hour": 8, "minute": 30}
